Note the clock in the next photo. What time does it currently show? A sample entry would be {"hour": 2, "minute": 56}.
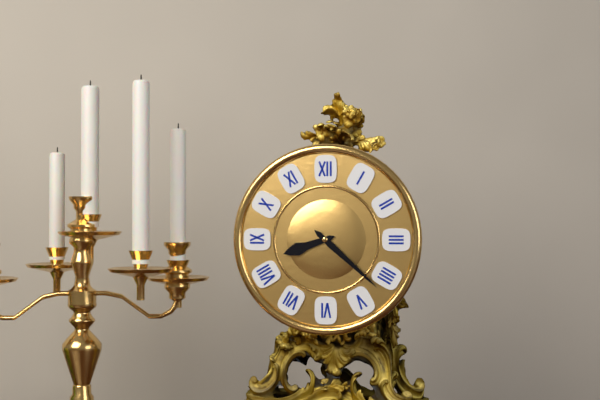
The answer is {"hour": 8, "minute": 22}
